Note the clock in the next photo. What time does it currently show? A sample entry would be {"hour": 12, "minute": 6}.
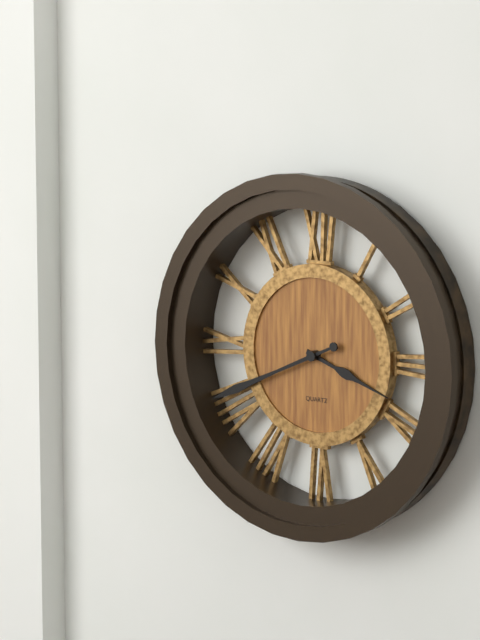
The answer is {"hour": 3, "minute": 41}
